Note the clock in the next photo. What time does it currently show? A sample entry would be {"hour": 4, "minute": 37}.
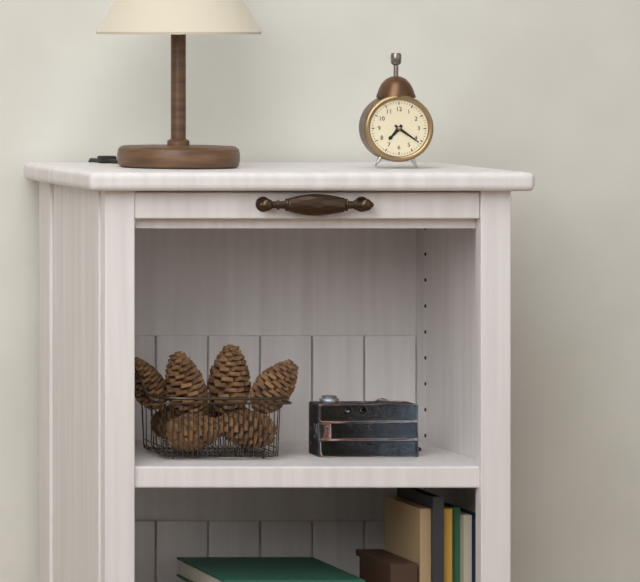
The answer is {"hour": 7, "minute": 21}
